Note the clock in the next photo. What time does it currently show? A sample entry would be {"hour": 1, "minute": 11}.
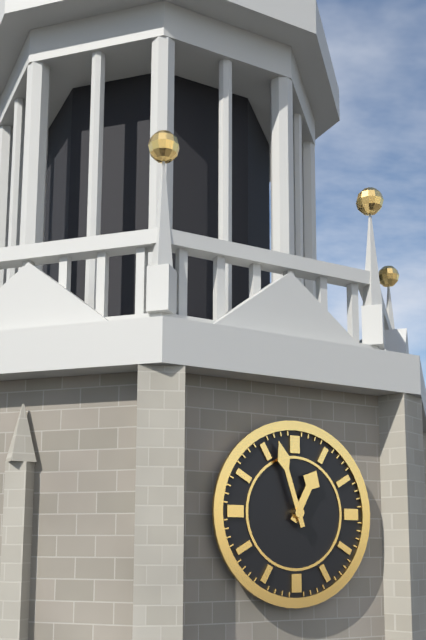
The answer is {"hour": 12, "minute": 57}
